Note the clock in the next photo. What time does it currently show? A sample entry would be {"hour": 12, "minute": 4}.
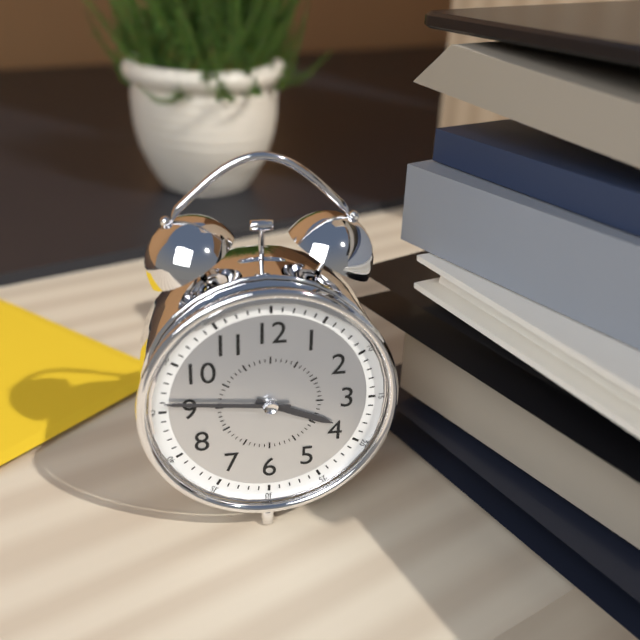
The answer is {"hour": 3, "minute": 46}
